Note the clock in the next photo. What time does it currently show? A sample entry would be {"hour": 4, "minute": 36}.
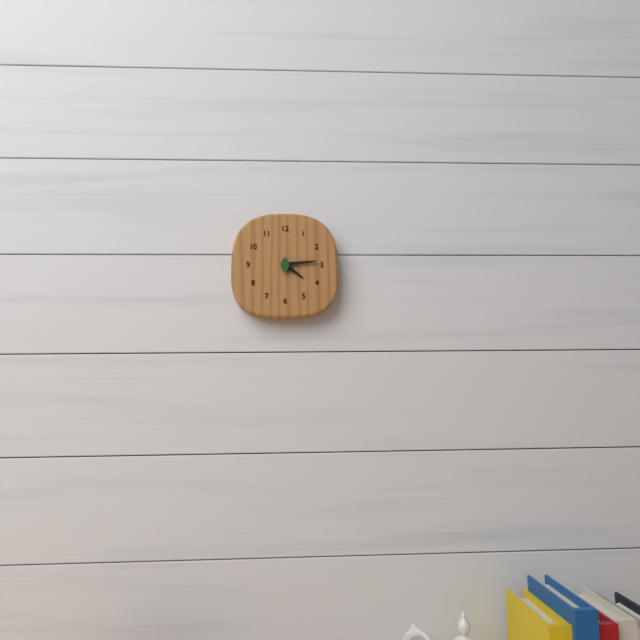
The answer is {"hour": 4, "minute": 14}
